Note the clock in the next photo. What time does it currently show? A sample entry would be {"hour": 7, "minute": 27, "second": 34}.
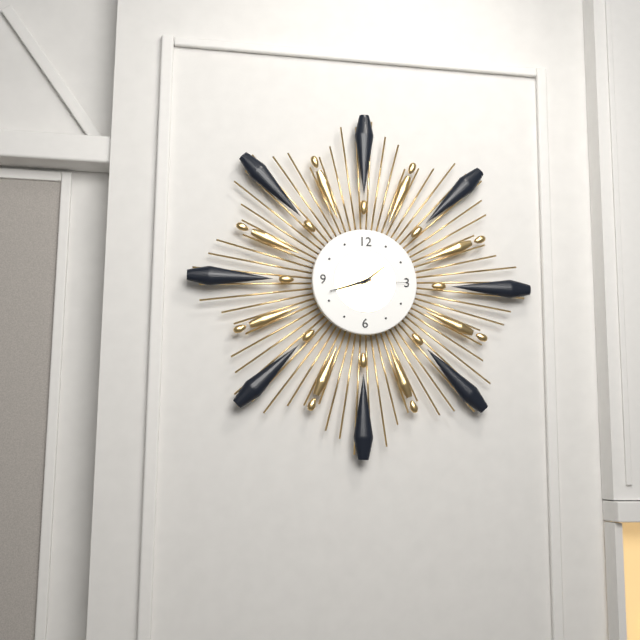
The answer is {"hour": 1, "minute": 42, "second": 15}
